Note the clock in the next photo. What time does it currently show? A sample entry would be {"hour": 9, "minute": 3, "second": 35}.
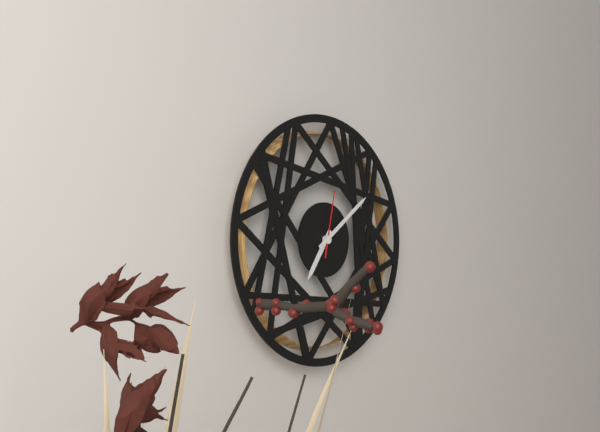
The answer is {"hour": 7, "minute": 9, "second": 2}
